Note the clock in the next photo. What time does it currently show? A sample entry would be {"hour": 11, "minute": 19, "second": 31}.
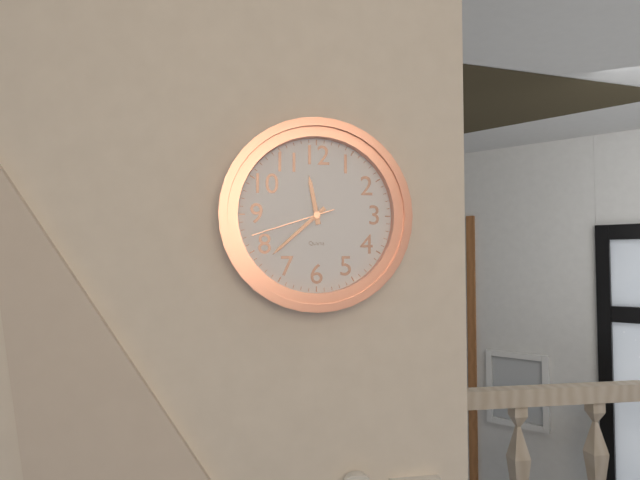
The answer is {"hour": 11, "minute": 38, "second": 42}
